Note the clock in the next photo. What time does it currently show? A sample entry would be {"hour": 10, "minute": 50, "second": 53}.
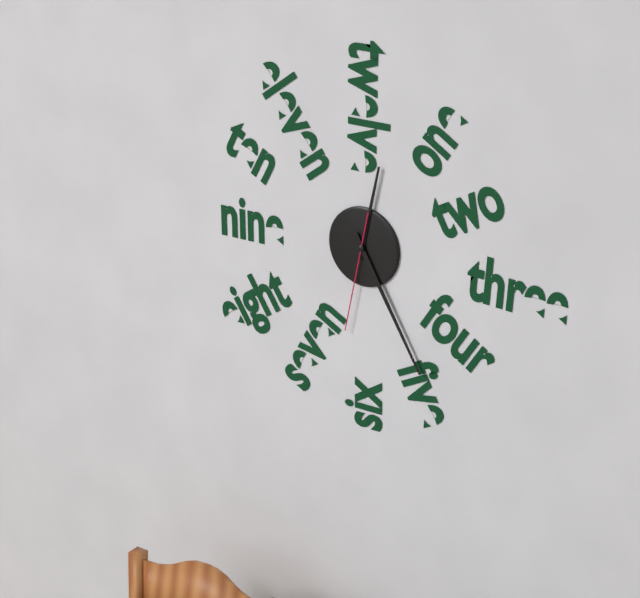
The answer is {"hour": 12, "minute": 25, "second": 32}
